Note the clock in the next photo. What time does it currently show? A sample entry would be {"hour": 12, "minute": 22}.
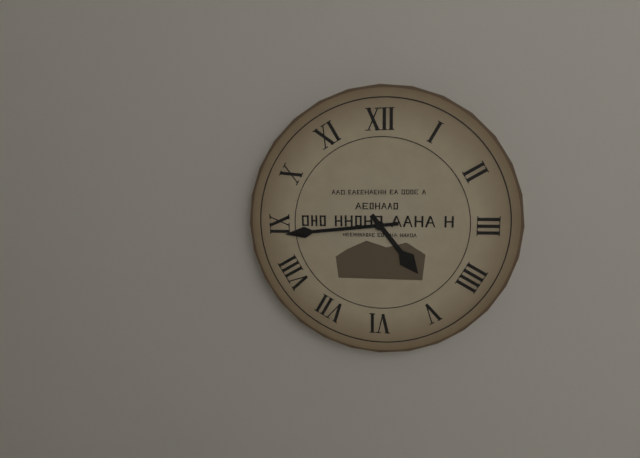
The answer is {"hour": 4, "minute": 44}
